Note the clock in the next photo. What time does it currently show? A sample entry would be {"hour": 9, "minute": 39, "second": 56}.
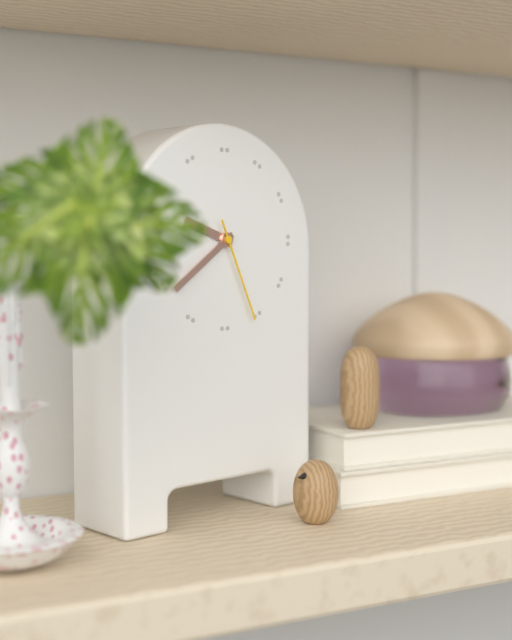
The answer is {"hour": 9, "minute": 39, "second": 26}
